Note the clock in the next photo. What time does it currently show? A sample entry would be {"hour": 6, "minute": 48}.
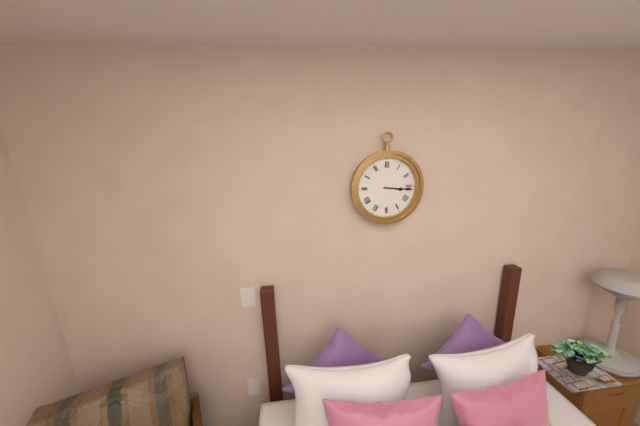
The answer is {"hour": 3, "minute": 16}
